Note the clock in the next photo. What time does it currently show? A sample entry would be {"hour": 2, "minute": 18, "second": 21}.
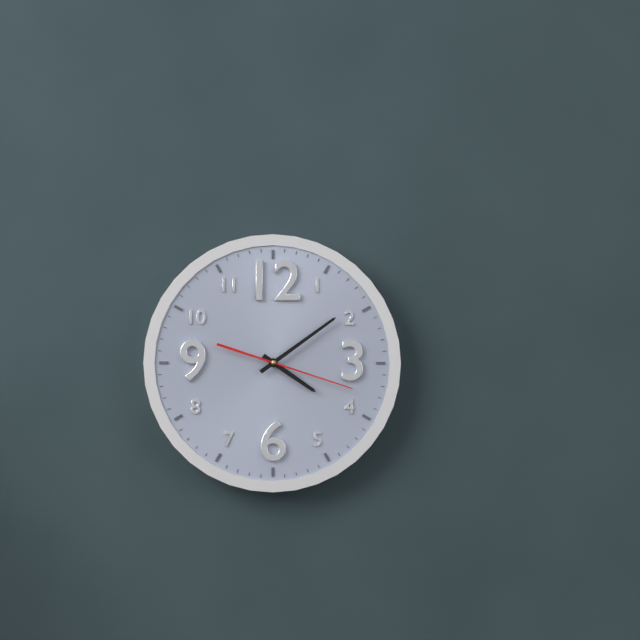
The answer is {"hour": 4, "minute": 9, "second": 18}
